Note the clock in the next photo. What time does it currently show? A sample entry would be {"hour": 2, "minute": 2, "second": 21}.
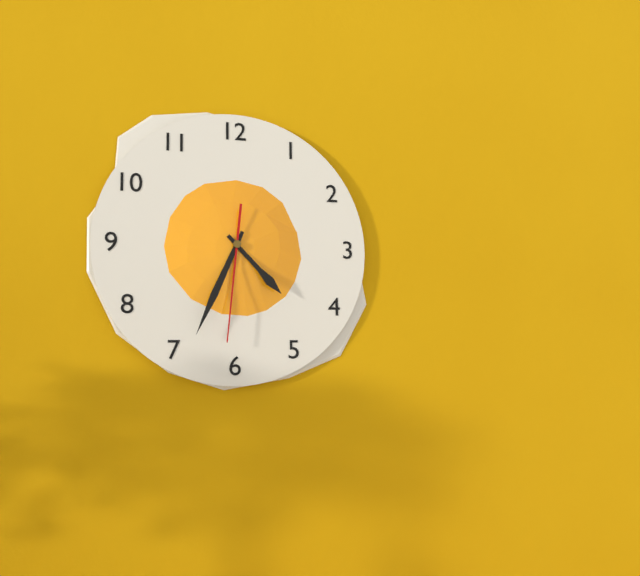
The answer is {"hour": 4, "minute": 34, "second": 31}
